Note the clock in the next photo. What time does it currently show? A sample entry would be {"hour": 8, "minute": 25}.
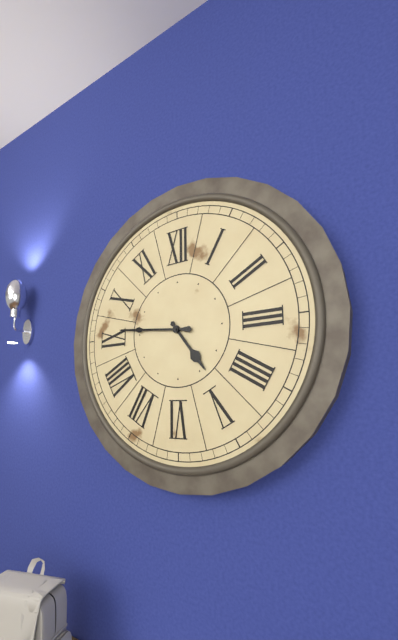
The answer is {"hour": 4, "minute": 46}
